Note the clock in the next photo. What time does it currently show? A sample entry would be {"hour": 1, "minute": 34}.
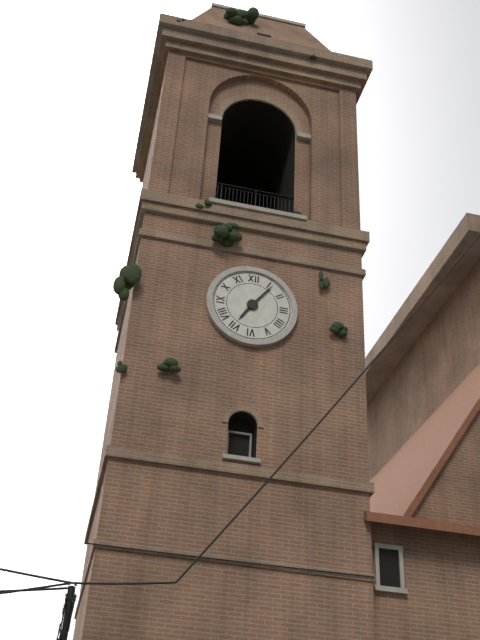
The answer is {"hour": 7, "minute": 6}
